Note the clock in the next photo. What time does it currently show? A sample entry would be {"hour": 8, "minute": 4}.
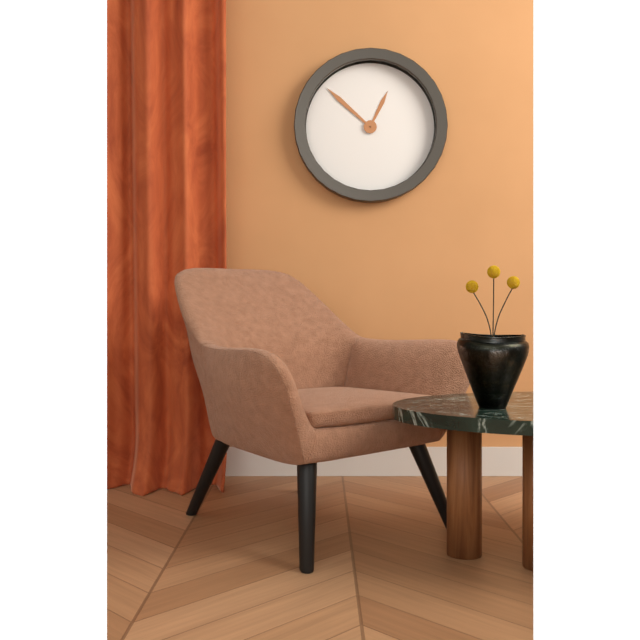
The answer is {"hour": 12, "minute": 52}
